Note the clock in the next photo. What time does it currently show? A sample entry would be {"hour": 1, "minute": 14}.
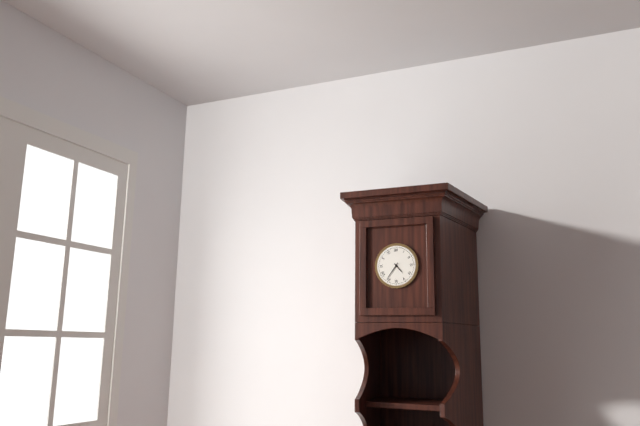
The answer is {"hour": 4, "minute": 36}
